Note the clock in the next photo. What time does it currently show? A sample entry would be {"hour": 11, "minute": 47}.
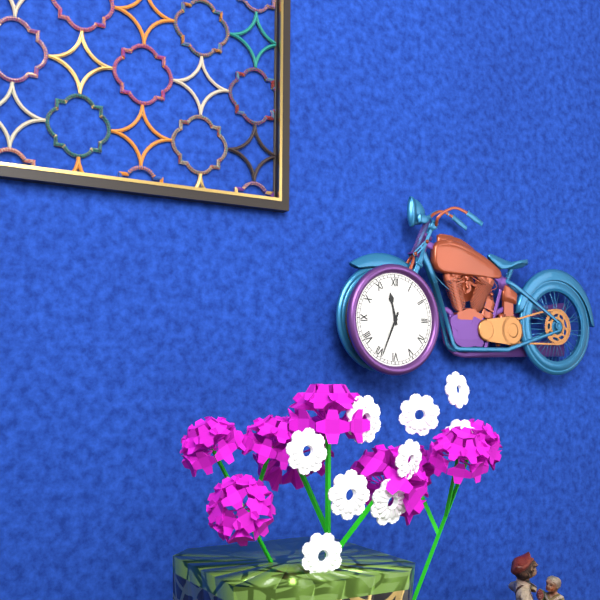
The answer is {"hour": 11, "minute": 34}
